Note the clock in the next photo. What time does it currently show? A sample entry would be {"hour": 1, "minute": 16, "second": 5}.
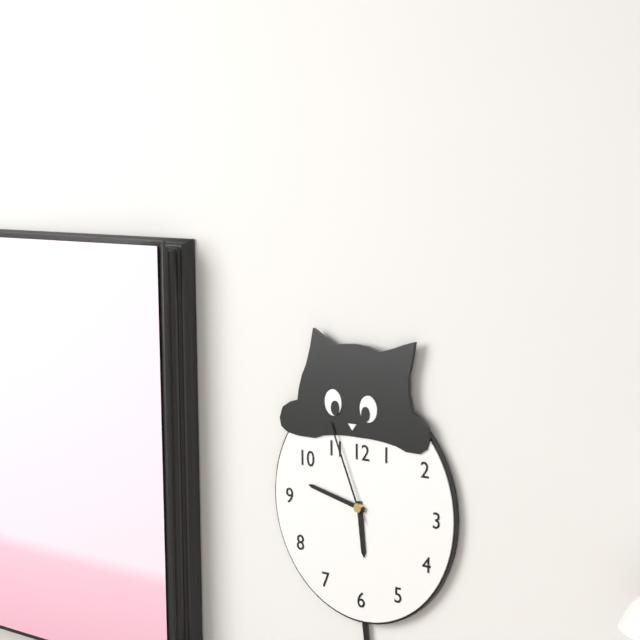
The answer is {"hour": 5, "minute": 47, "second": 56}
